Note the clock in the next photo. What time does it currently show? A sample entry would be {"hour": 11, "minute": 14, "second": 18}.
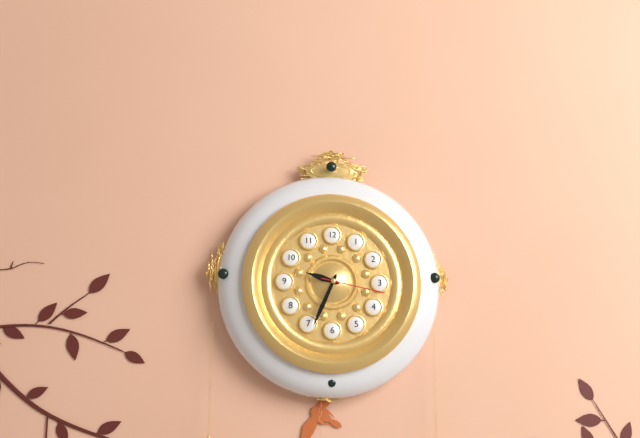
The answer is {"hour": 9, "minute": 34, "second": 17}
